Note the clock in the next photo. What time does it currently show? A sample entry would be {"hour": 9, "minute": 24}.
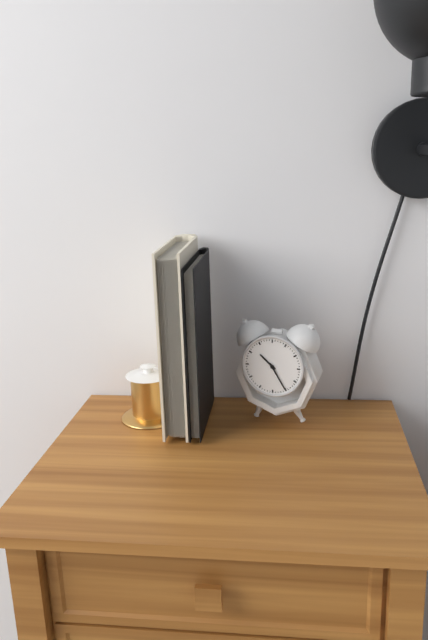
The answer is {"hour": 10, "minute": 25}
